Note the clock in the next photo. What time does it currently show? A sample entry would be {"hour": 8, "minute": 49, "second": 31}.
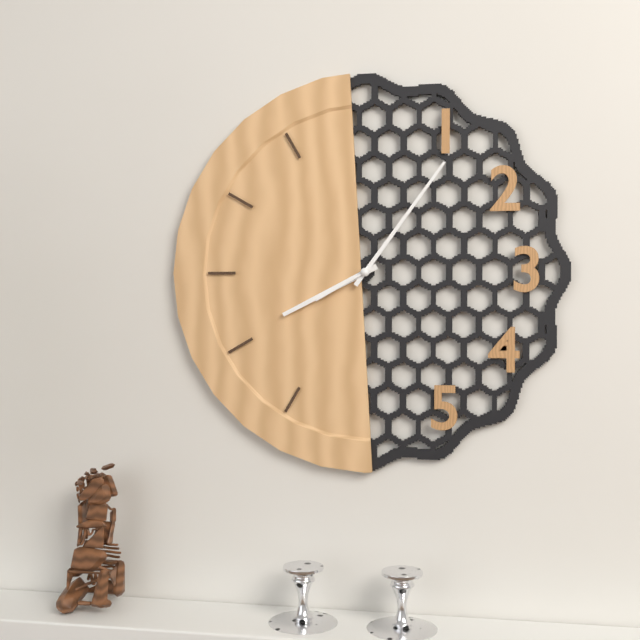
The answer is {"hour": 8, "minute": 6, "second": 40}
